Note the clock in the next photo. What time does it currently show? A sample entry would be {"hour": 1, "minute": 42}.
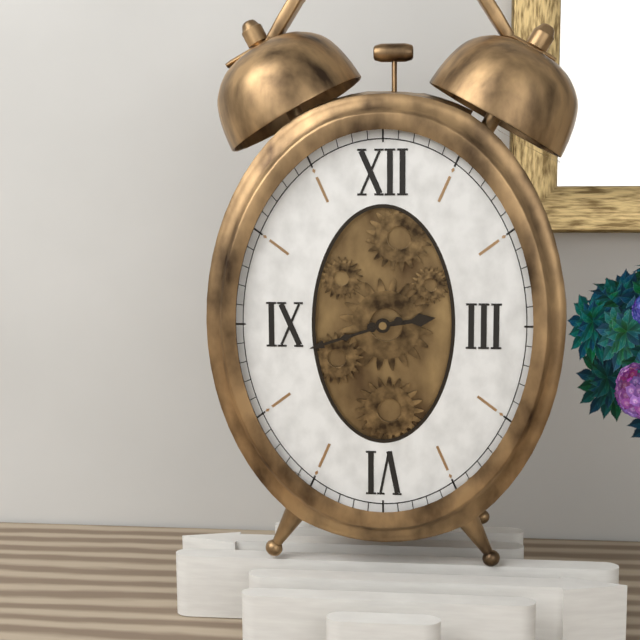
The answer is {"hour": 2, "minute": 42}
